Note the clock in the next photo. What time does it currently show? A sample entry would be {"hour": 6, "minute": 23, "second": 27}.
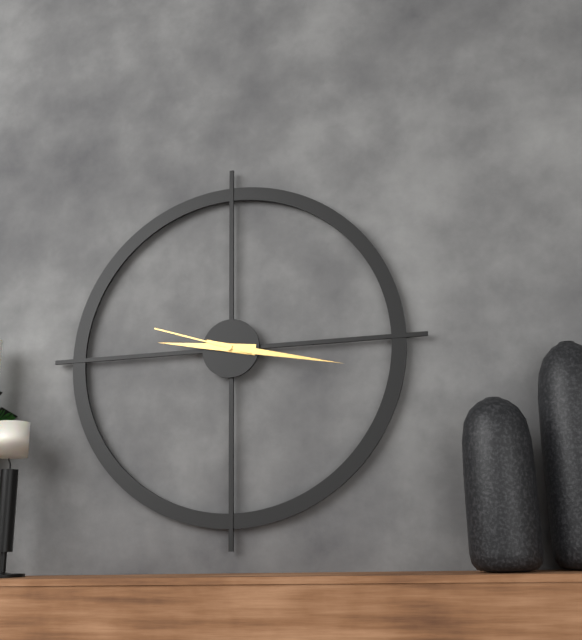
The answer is {"hour": 9, "minute": 17, "second": 48}
